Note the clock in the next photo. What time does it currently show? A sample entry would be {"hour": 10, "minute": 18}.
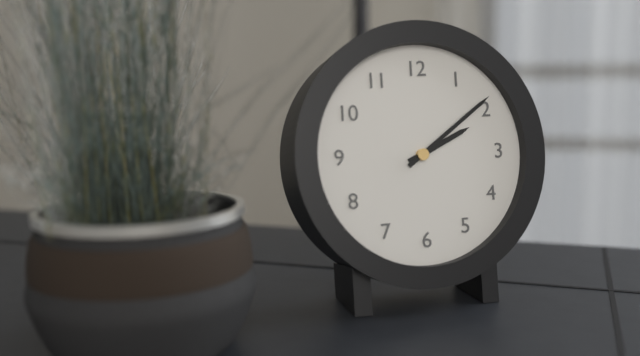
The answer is {"hour": 2, "minute": 9}
